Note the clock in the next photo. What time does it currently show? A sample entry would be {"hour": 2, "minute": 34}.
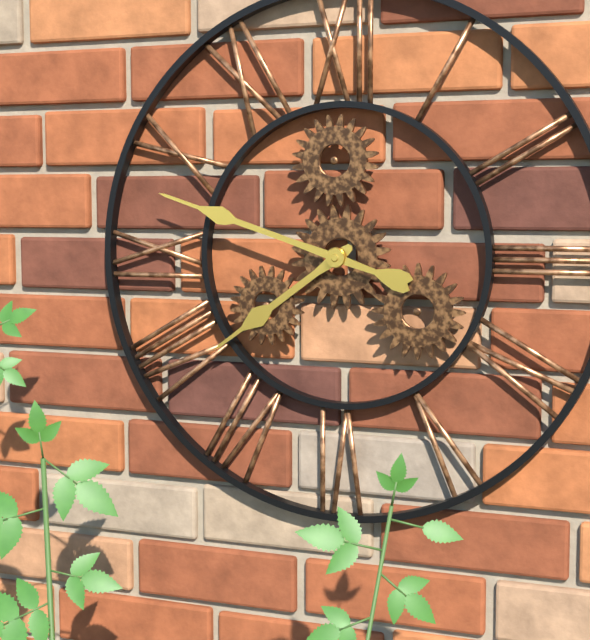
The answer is {"hour": 7, "minute": 48}
